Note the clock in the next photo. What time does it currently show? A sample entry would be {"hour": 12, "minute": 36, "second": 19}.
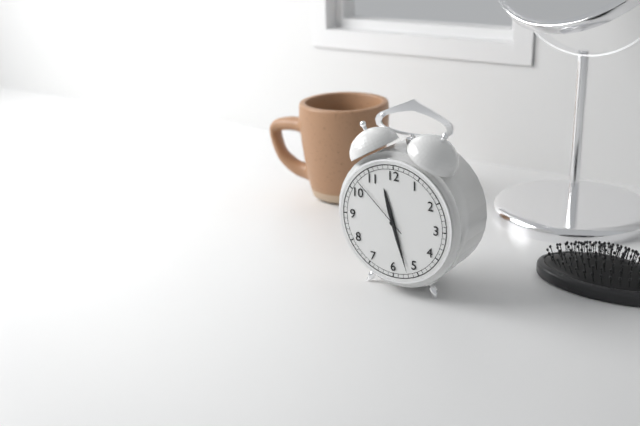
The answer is {"hour": 11, "minute": 27, "second": 52}
